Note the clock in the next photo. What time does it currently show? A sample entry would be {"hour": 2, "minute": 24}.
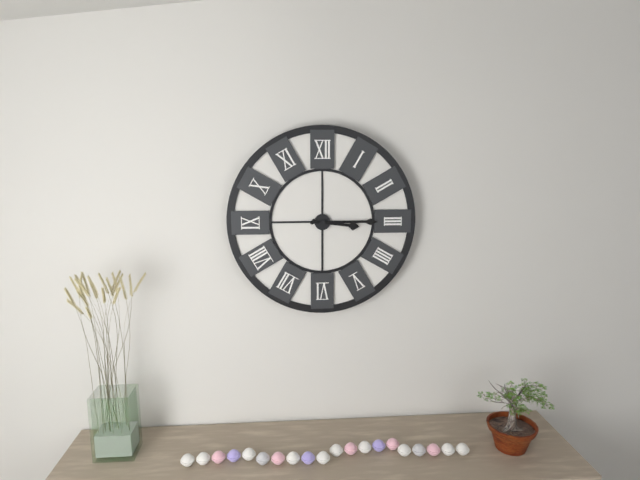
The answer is {"hour": 3, "minute": 15}
